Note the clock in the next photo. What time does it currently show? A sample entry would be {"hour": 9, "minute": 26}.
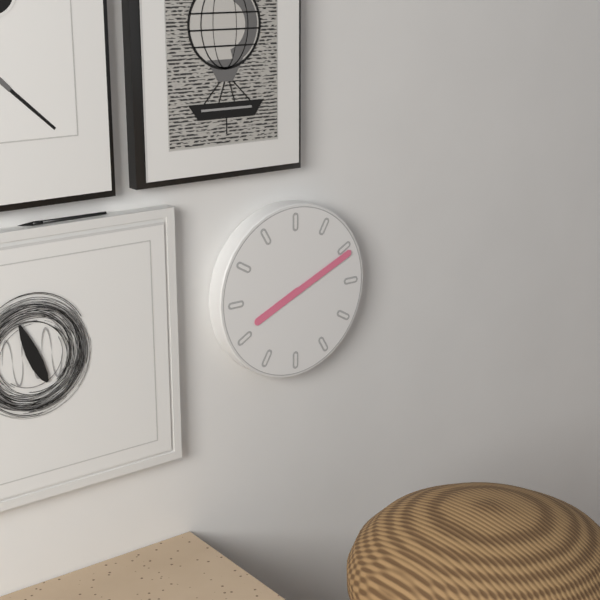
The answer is {"hour": 8, "minute": 11}
